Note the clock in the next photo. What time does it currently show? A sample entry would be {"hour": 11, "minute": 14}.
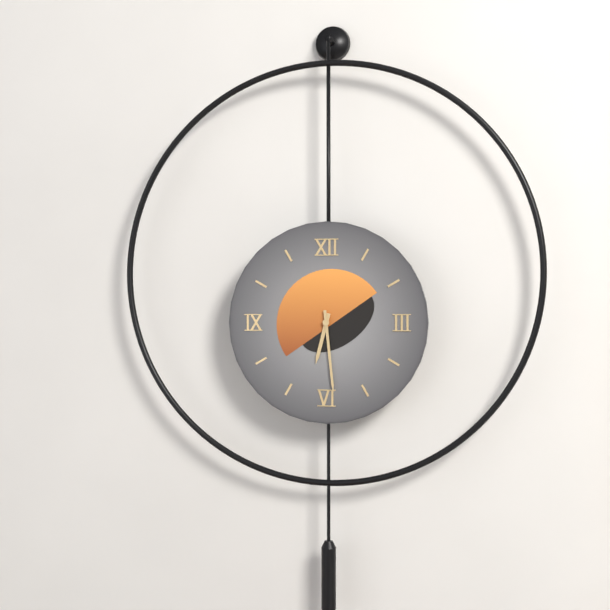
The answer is {"hour": 6, "minute": 29}
